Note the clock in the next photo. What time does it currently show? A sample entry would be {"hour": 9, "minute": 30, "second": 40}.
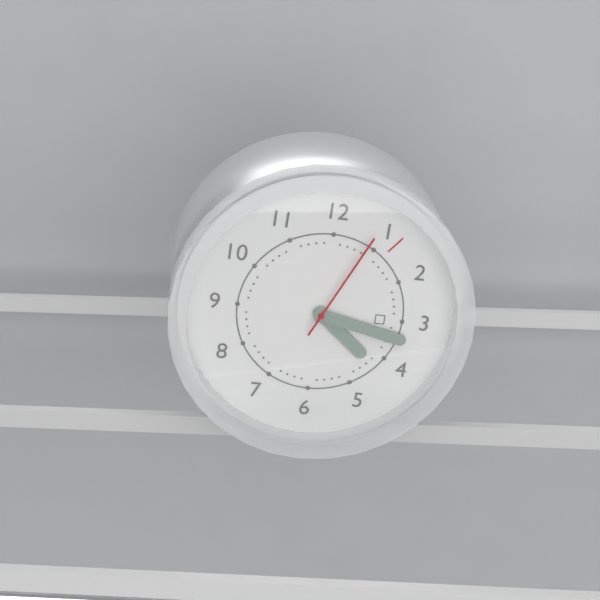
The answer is {"hour": 4, "minute": 17, "second": 4}
